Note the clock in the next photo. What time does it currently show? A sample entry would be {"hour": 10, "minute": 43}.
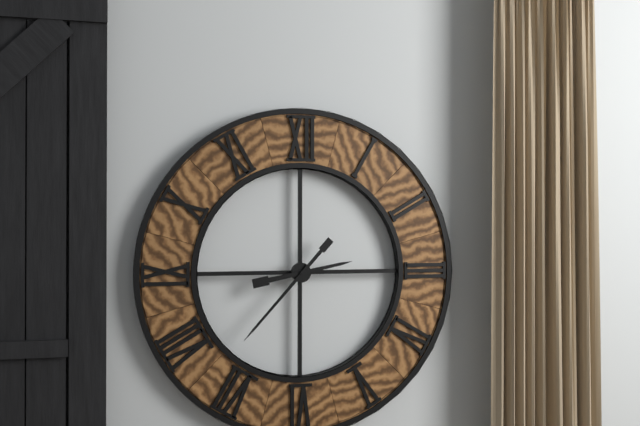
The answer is {"hour": 2, "minute": 37}
